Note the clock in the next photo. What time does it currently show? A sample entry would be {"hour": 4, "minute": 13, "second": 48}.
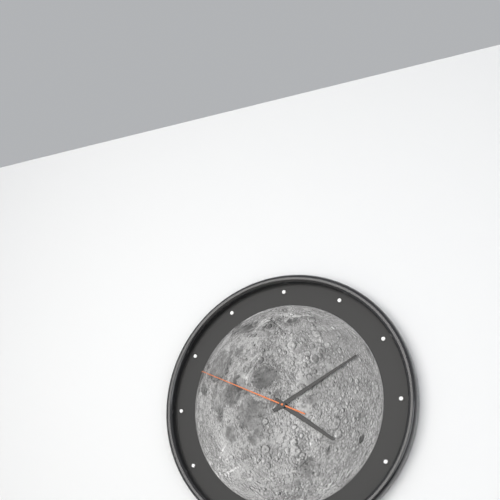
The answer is {"hour": 4, "minute": 10, "second": 49}
